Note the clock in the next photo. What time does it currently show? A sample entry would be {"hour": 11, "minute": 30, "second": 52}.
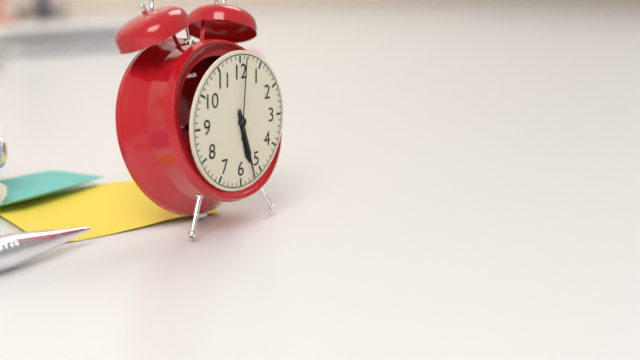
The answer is {"hour": 5, "minute": 27, "second": 1}
